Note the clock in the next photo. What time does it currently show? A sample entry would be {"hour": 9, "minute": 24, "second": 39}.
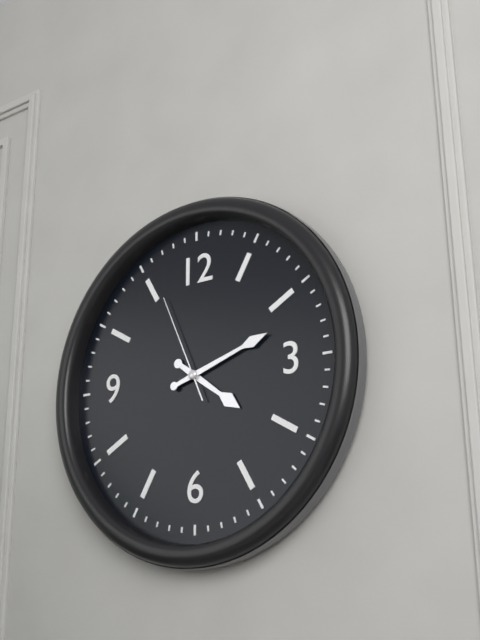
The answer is {"hour": 4, "minute": 12, "second": 56}
